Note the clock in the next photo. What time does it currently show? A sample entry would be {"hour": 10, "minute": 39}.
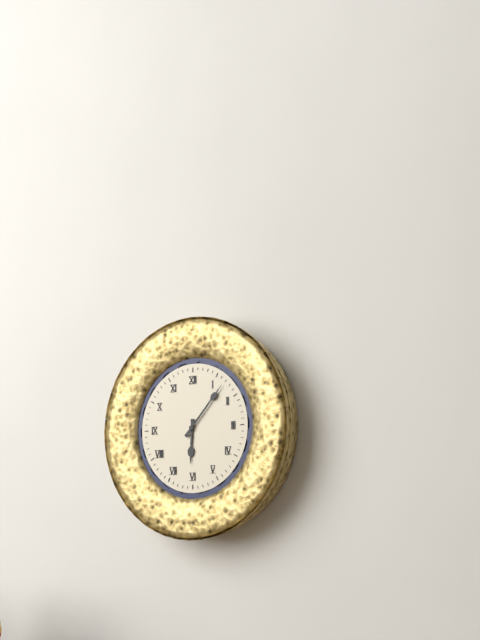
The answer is {"hour": 6, "minute": 7}
